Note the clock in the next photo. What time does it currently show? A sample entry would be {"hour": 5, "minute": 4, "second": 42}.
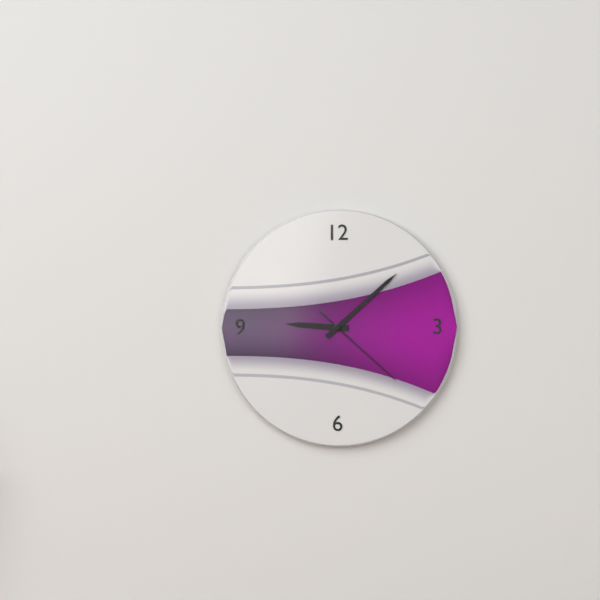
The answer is {"hour": 9, "minute": 8, "second": 22}
